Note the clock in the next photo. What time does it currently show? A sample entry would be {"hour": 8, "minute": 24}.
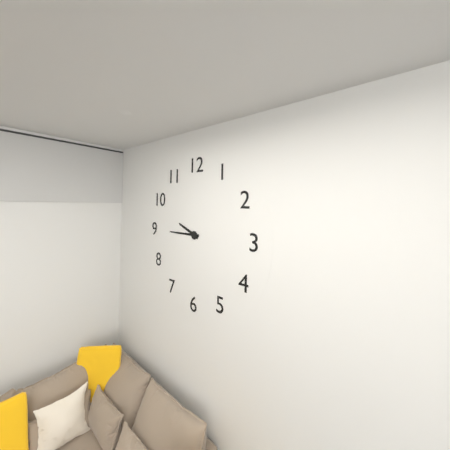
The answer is {"hour": 9, "minute": 45}
